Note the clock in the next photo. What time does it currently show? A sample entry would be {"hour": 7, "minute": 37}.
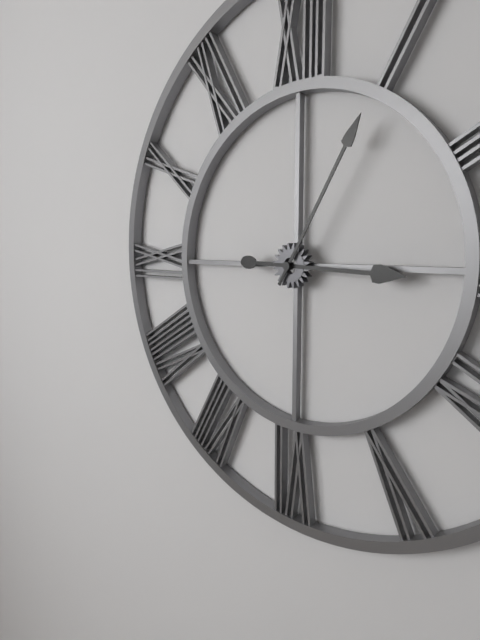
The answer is {"hour": 3, "minute": 5}
